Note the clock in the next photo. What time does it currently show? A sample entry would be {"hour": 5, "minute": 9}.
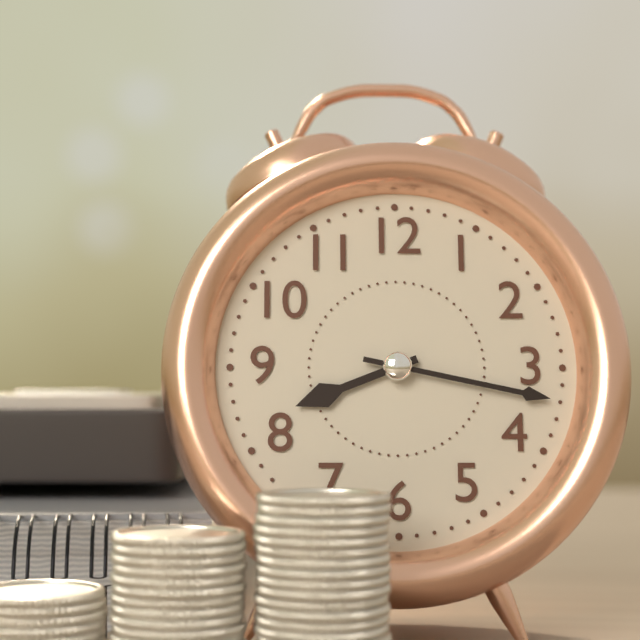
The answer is {"hour": 8, "minute": 17}
